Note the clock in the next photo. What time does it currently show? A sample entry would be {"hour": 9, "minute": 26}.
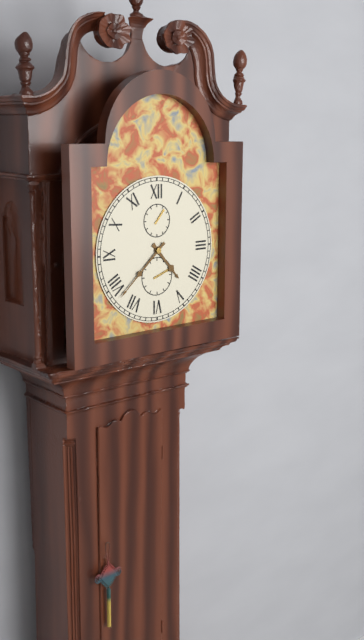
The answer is {"hour": 4, "minute": 38}
